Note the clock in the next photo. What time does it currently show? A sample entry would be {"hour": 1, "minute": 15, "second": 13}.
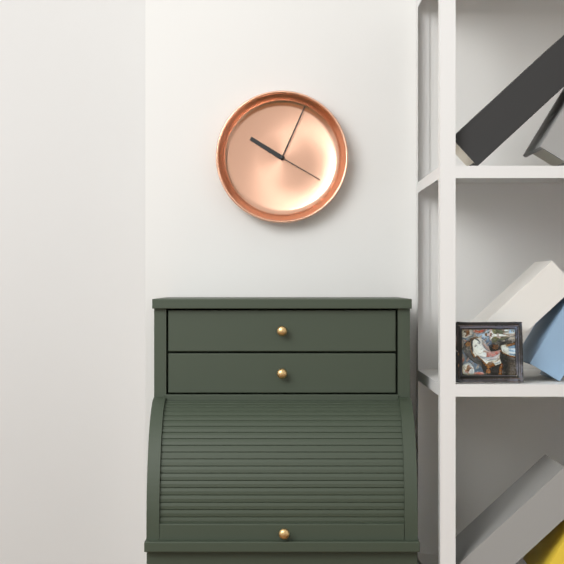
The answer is {"hour": 10, "minute": 4, "second": 20}
